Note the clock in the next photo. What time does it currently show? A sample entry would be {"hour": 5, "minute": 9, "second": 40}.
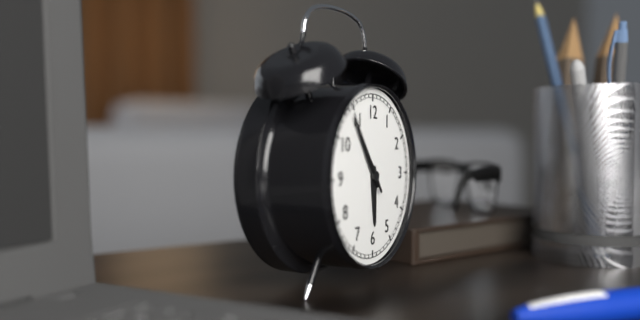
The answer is {"hour": 5, "minute": 54, "second": 54}
